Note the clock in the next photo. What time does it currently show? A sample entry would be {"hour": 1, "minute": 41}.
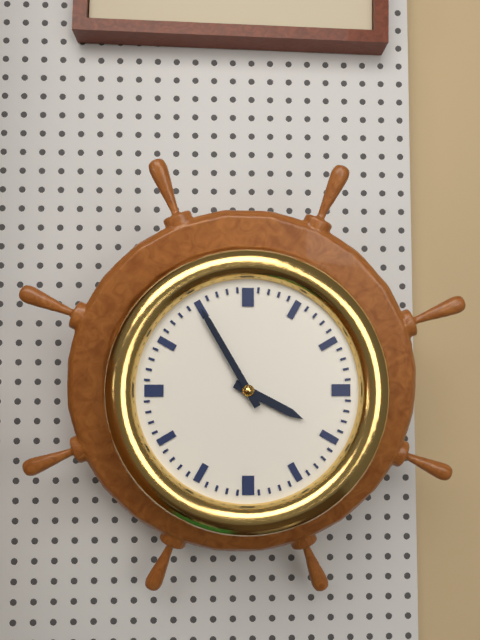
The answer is {"hour": 3, "minute": 55}
